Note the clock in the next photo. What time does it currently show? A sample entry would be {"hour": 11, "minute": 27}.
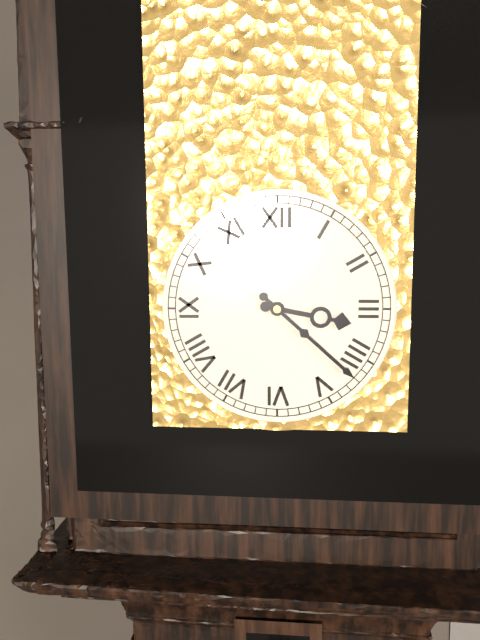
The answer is {"hour": 3, "minute": 22}
